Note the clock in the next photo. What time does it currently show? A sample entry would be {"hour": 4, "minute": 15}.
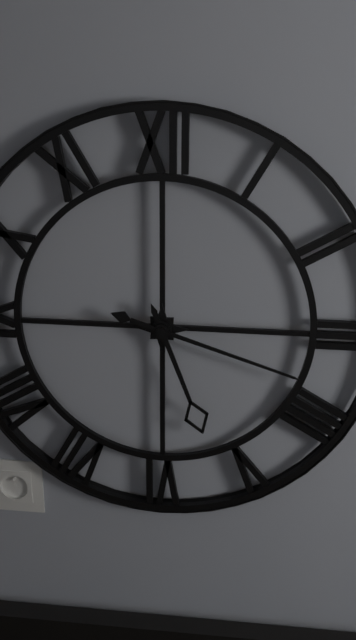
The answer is {"hour": 5, "minute": 18}
